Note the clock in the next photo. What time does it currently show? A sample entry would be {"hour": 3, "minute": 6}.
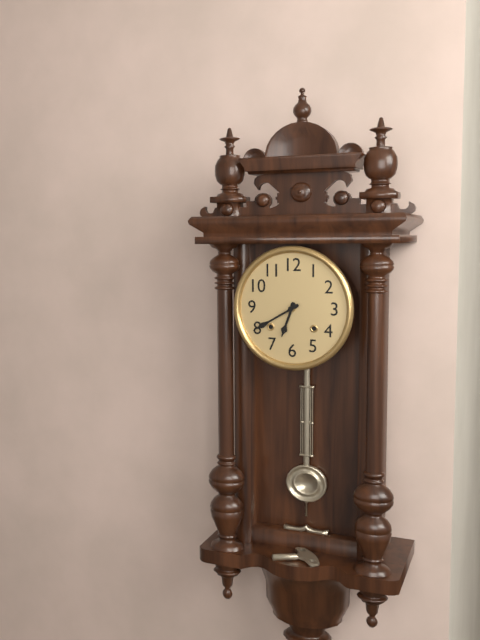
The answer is {"hour": 6, "minute": 40}
